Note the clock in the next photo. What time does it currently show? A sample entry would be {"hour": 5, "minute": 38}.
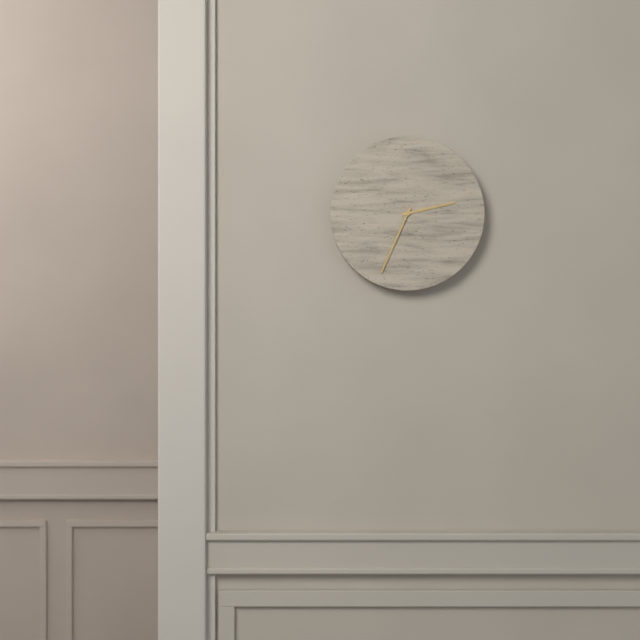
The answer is {"hour": 2, "minute": 34}
